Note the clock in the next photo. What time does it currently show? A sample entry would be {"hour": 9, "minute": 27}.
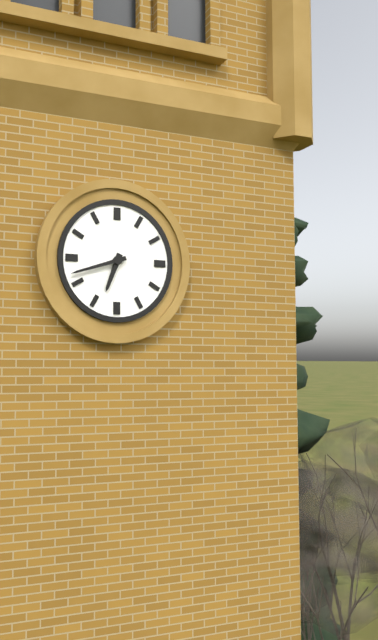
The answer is {"hour": 6, "minute": 42}
